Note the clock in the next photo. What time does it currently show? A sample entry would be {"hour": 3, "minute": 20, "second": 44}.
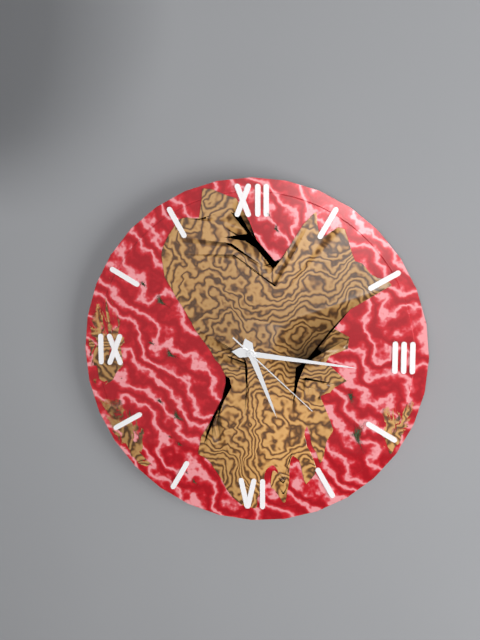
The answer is {"hour": 5, "minute": 16, "second": 22}
